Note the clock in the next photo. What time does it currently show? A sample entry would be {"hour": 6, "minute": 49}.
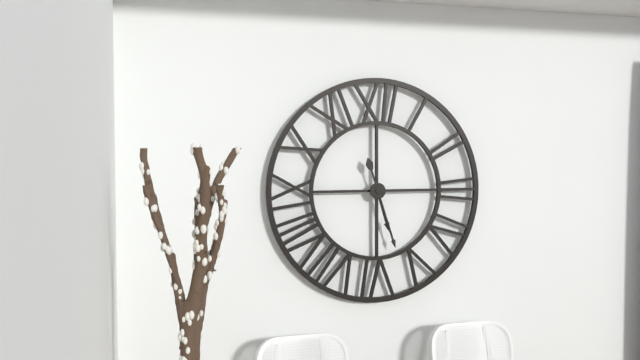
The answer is {"hour": 5, "minute": 27}
